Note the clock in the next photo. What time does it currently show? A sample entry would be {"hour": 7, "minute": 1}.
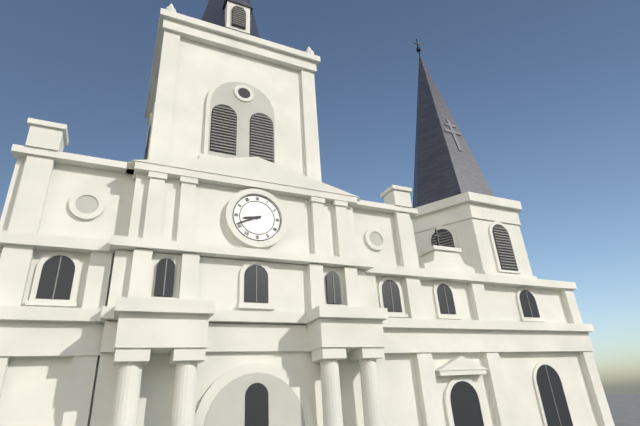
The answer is {"hour": 8, "minute": 41}
